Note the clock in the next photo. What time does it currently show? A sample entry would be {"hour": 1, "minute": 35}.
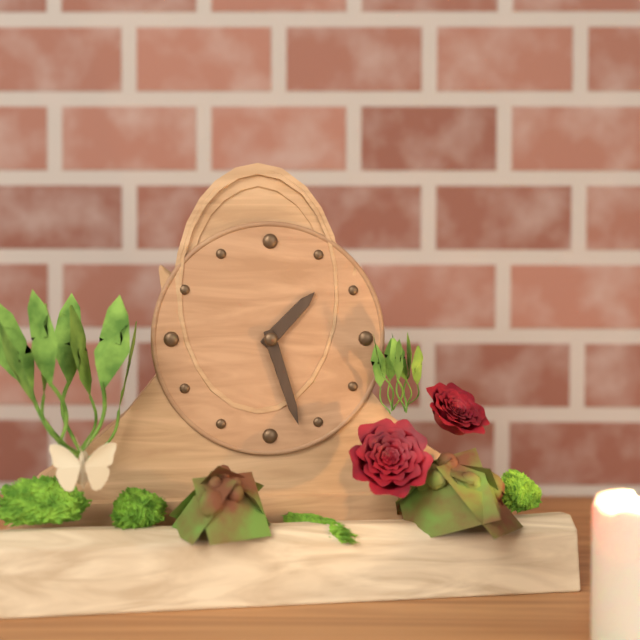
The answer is {"hour": 1, "minute": 27}
